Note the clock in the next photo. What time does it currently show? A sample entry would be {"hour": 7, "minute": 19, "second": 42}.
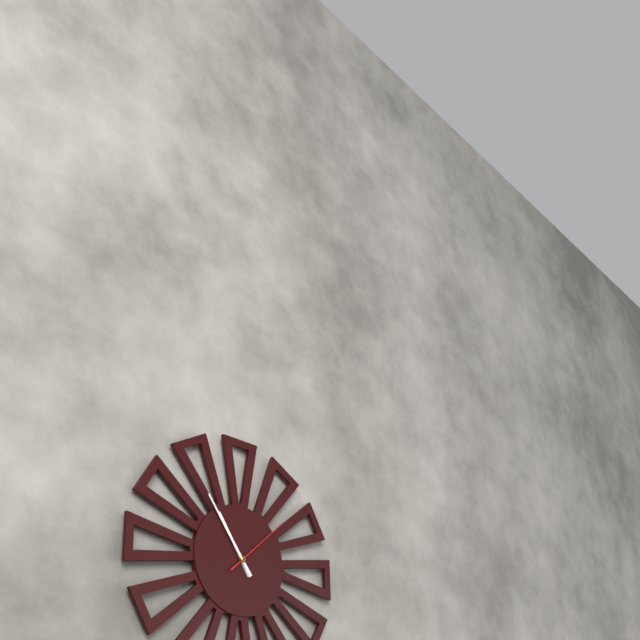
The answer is {"hour": 10, "minute": 54, "second": 8}
